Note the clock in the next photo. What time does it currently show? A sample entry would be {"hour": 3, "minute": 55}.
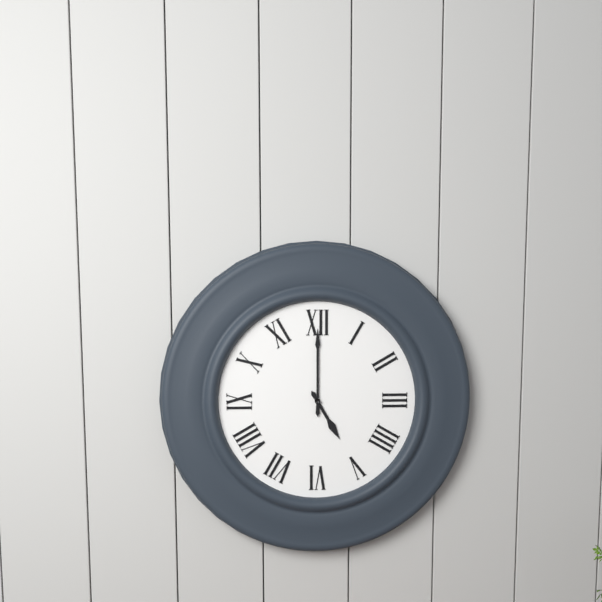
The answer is {"hour": 5, "minute": 0}
